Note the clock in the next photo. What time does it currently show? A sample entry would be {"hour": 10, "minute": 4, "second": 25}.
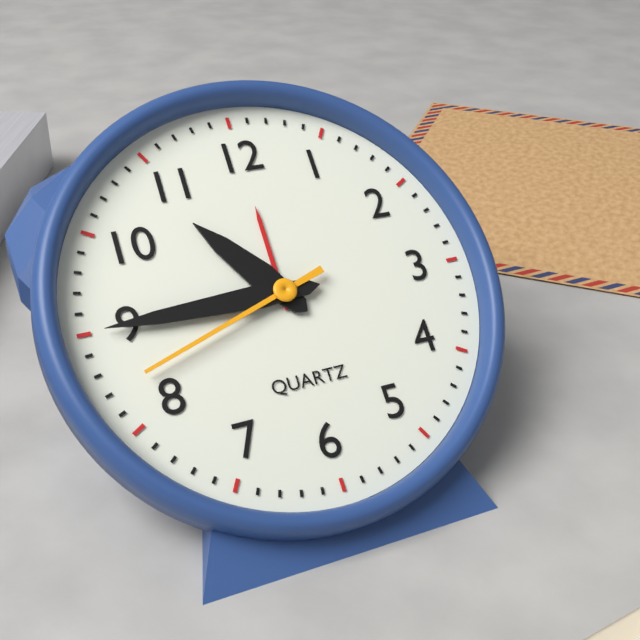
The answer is {"hour": 10, "minute": 45, "second": 42}
